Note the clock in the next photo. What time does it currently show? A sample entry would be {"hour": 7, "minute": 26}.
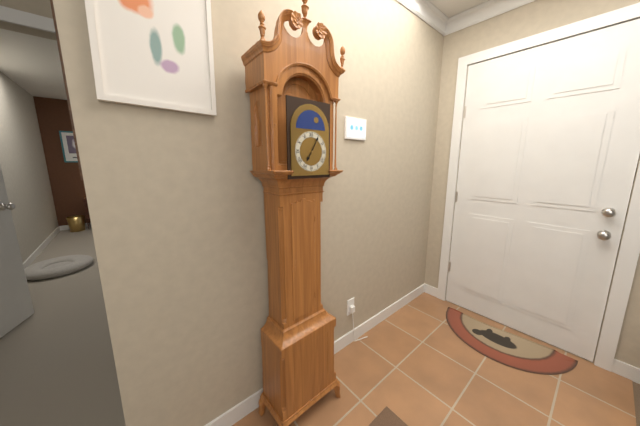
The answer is {"hour": 7, "minute": 5}
